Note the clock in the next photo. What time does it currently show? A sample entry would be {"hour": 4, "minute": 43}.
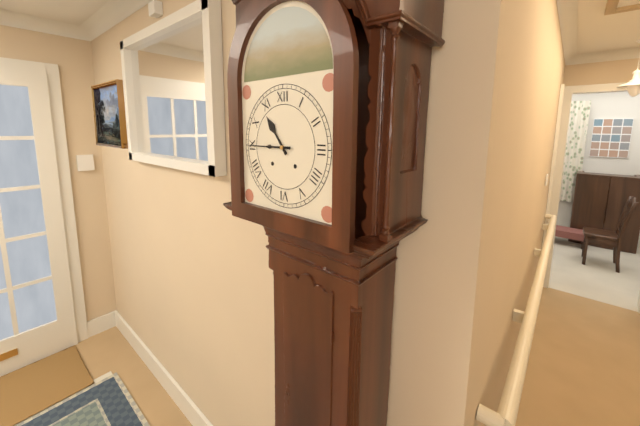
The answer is {"hour": 10, "minute": 45}
